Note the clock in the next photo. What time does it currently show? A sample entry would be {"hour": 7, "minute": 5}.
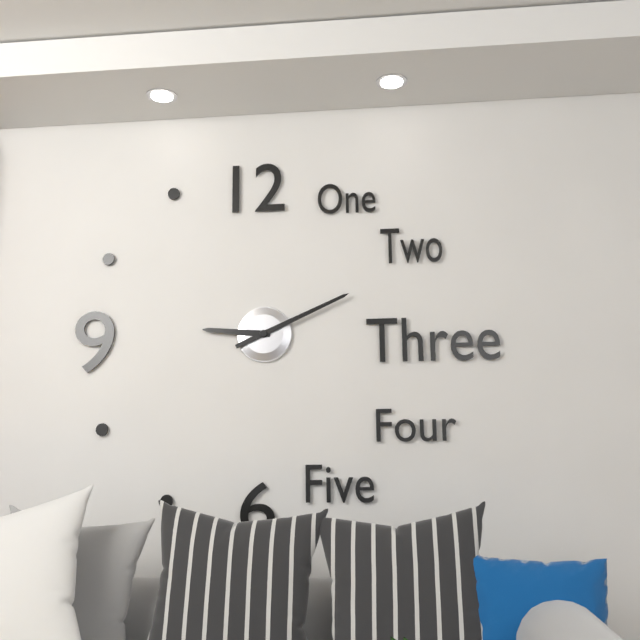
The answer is {"hour": 9, "minute": 11}
